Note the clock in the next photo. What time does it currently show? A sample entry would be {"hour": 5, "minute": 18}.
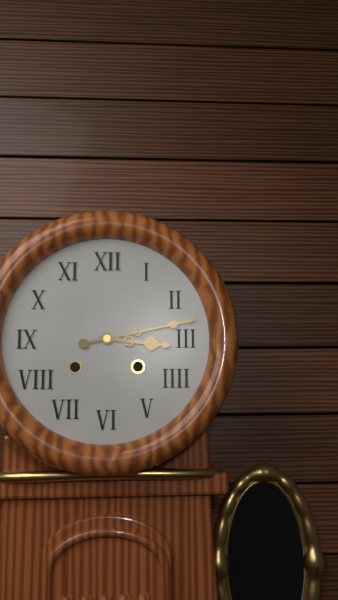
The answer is {"hour": 3, "minute": 13}
